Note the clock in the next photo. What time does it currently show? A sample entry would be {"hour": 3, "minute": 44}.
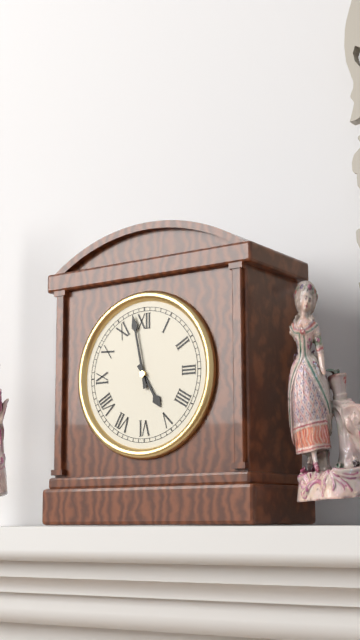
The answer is {"hour": 4, "minute": 58}
